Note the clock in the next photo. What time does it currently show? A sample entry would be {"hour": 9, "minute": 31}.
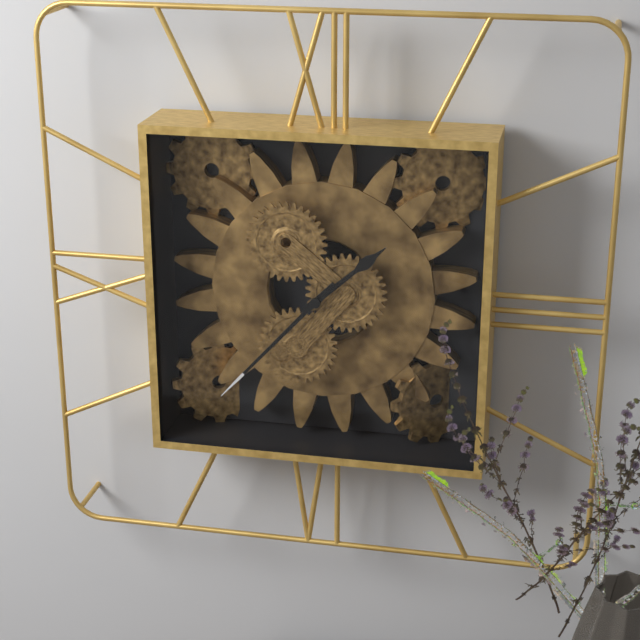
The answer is {"hour": 1, "minute": 37}
